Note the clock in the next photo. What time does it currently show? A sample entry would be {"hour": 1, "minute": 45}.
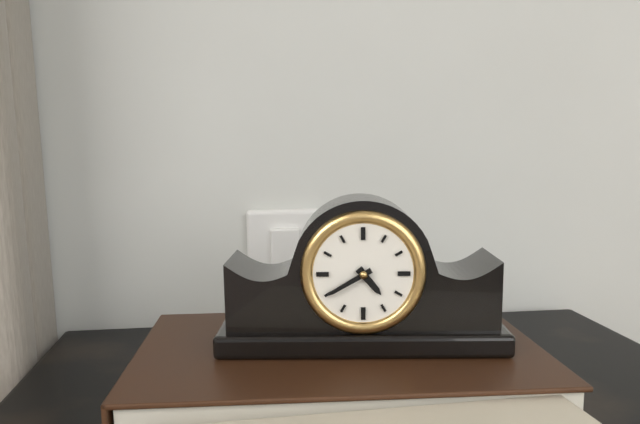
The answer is {"hour": 4, "minute": 40}
